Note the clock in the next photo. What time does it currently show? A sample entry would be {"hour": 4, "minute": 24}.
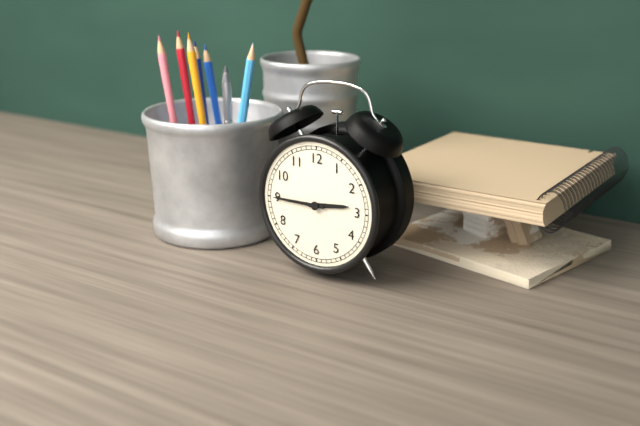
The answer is {"hour": 2, "minute": 45}
